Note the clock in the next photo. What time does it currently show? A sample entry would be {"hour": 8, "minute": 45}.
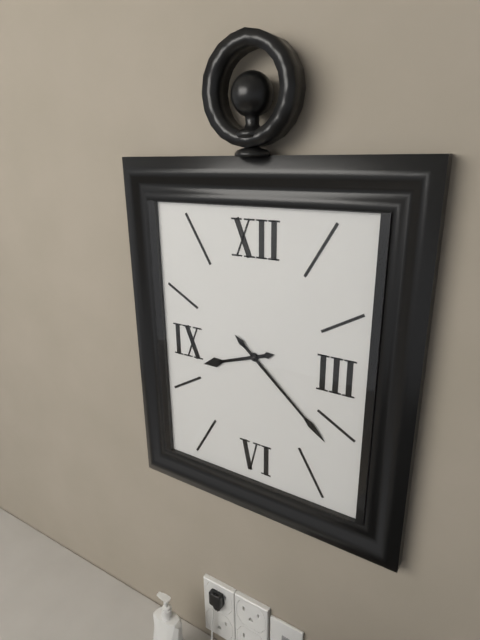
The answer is {"hour": 8, "minute": 22}
